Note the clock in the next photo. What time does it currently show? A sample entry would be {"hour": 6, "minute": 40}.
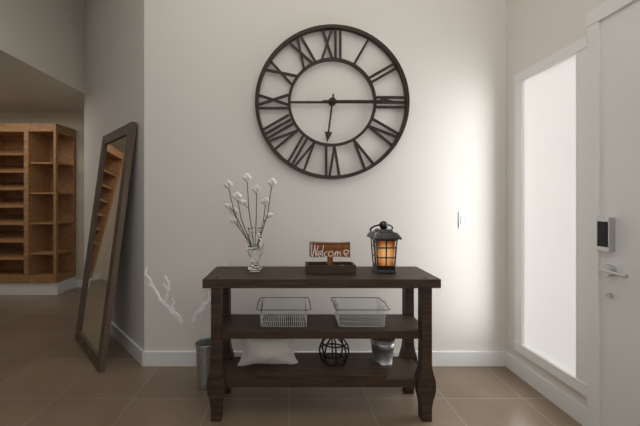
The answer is {"hour": 6, "minute": 15}
